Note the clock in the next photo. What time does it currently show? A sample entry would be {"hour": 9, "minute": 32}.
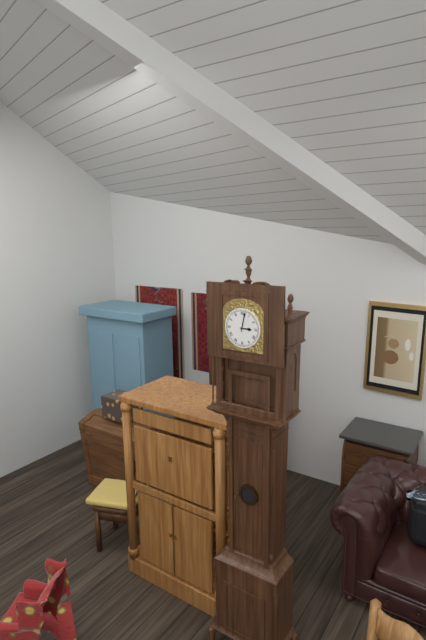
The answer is {"hour": 3, "minute": 2}
